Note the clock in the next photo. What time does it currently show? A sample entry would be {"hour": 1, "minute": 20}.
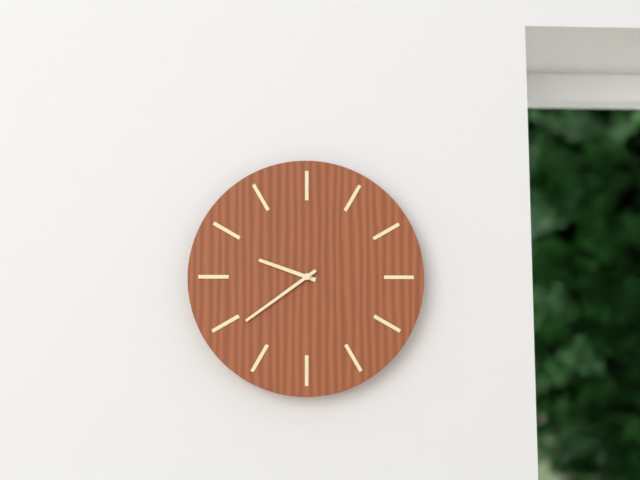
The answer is {"hour": 9, "minute": 39}
